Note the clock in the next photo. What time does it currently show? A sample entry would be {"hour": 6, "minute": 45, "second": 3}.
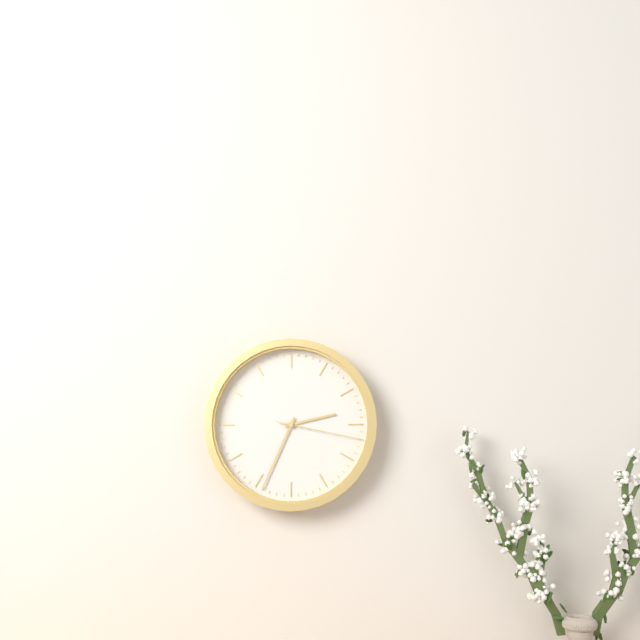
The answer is {"hour": 2, "minute": 34, "second": 17}
